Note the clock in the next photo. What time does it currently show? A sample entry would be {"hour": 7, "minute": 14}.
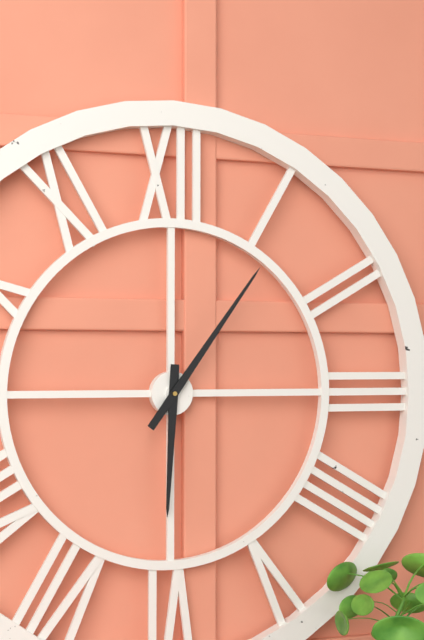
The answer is {"hour": 6, "minute": 6}
